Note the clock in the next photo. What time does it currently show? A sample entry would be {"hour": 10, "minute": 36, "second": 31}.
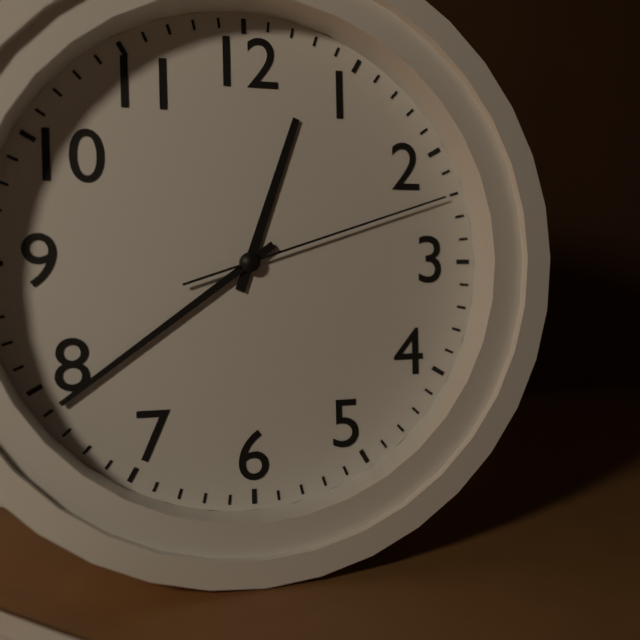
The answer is {"hour": 12, "minute": 39, "second": 12}
